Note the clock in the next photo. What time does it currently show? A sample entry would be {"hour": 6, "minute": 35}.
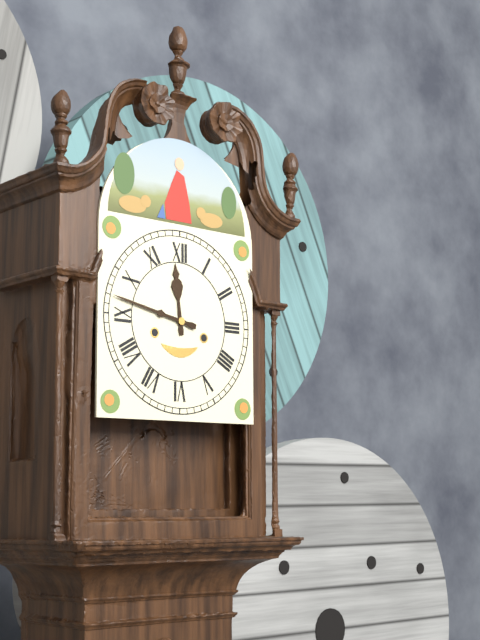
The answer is {"hour": 11, "minute": 47}
